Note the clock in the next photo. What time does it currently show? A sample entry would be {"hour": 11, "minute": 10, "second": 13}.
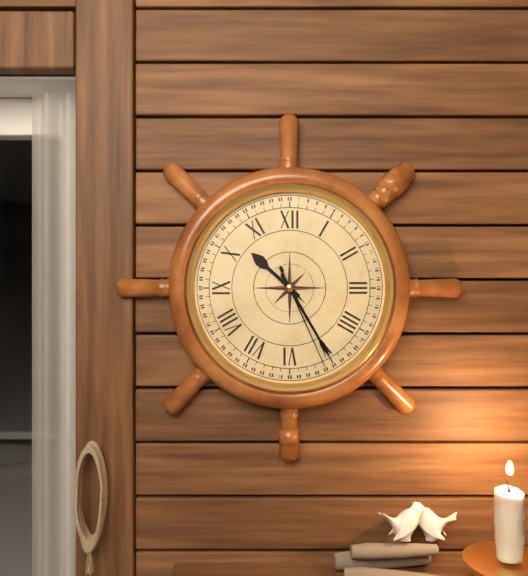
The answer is {"hour": 10, "minute": 25, "second": 26}
